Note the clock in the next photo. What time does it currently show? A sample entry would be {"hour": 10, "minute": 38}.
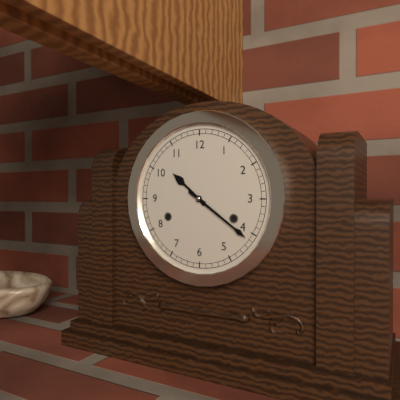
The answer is {"hour": 10, "minute": 21}
